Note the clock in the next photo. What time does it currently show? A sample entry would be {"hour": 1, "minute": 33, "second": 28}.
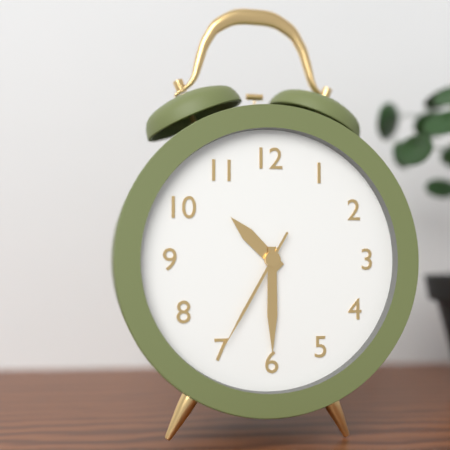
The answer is {"hour": 10, "minute": 30, "second": 35}
